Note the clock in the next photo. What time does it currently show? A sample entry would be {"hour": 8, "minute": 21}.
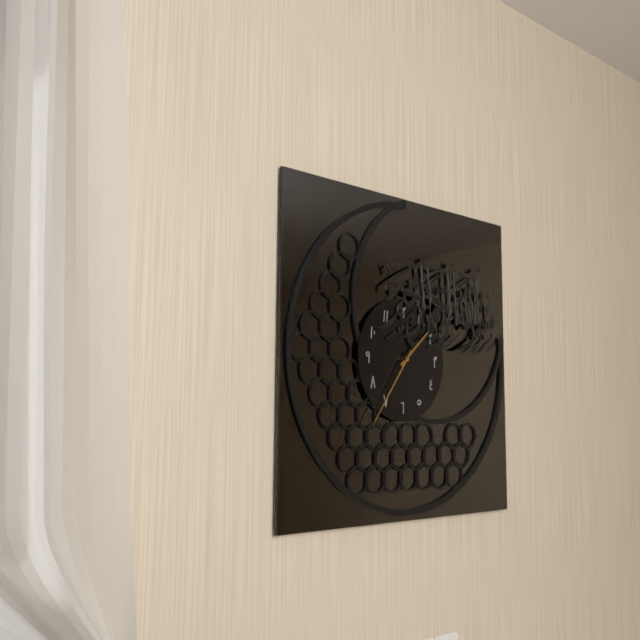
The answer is {"hour": 1, "minute": 36}
